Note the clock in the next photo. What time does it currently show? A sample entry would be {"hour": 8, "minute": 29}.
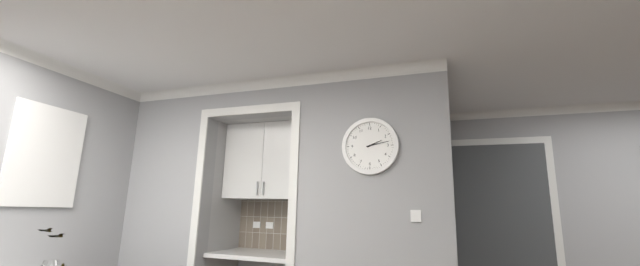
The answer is {"hour": 2, "minute": 13}
